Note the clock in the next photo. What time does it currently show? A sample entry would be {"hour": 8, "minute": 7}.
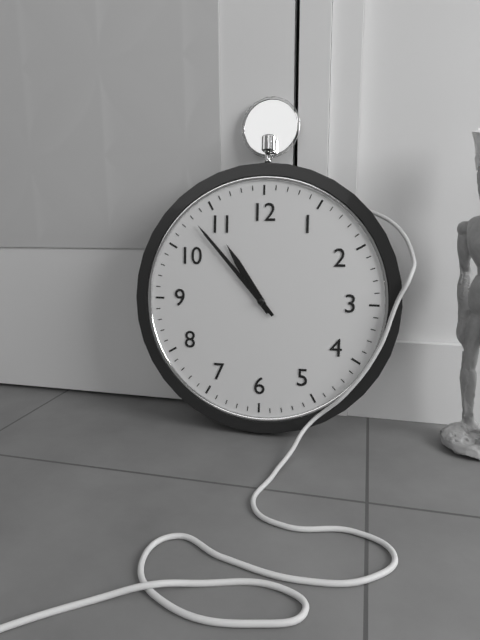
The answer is {"hour": 10, "minute": 53}
